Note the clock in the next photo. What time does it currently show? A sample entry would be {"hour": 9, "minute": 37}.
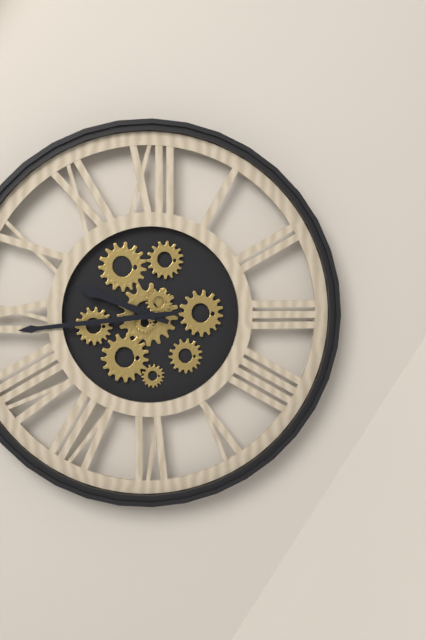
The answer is {"hour": 9, "minute": 44}
